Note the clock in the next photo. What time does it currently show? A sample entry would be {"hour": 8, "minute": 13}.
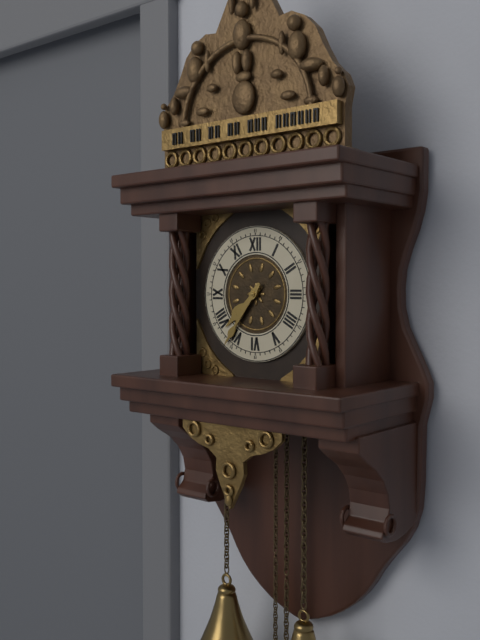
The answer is {"hour": 7, "minute": 36}
